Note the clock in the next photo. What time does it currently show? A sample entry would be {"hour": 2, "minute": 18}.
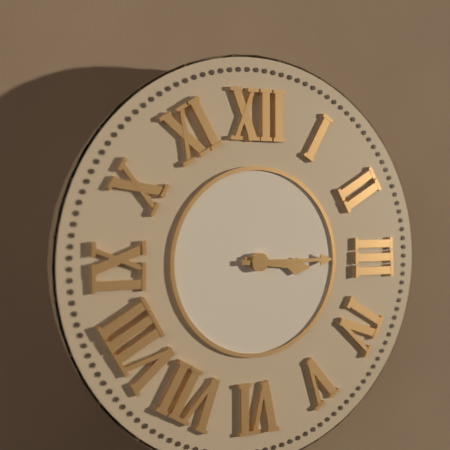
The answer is {"hour": 3, "minute": 15}
